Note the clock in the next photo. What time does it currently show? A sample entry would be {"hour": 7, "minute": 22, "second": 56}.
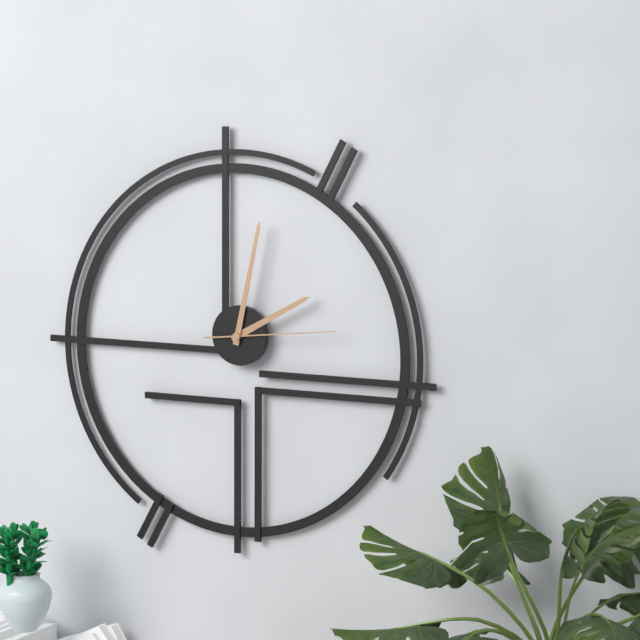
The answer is {"hour": 2, "minute": 2, "second": 14}
